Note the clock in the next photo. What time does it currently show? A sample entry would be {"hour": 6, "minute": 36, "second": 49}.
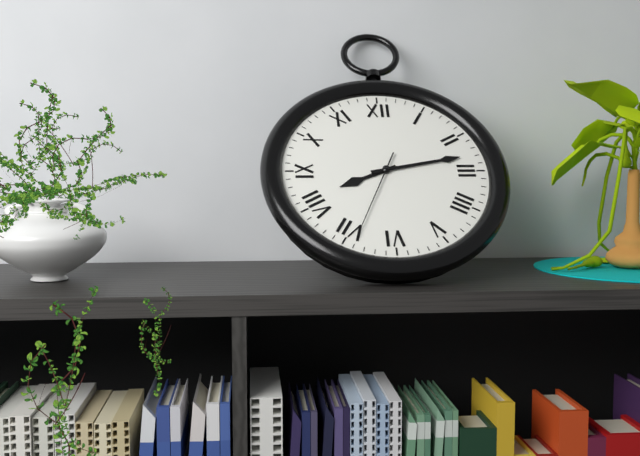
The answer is {"hour": 8, "minute": 13, "second": 34}
